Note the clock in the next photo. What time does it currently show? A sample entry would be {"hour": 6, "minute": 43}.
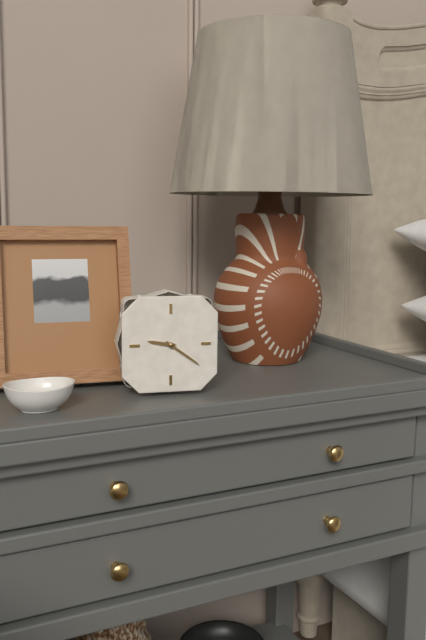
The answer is {"hour": 9, "minute": 21}
